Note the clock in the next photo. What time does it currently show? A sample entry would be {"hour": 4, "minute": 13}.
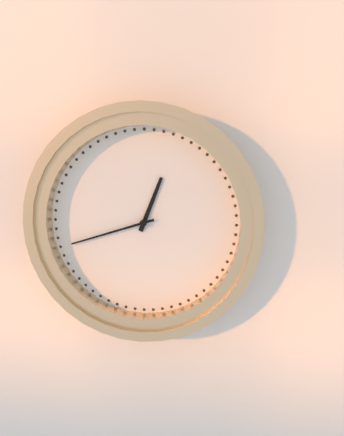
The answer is {"hour": 12, "minute": 42}
